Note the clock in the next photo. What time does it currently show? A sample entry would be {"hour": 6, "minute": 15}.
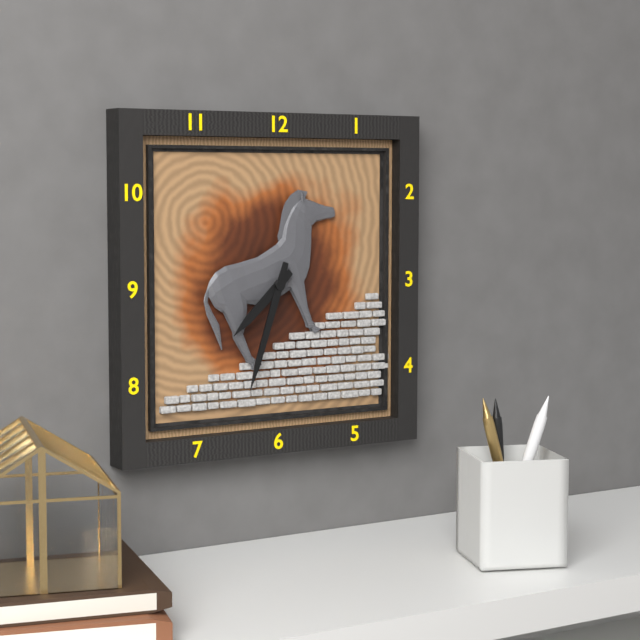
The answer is {"hour": 7, "minute": 33}
